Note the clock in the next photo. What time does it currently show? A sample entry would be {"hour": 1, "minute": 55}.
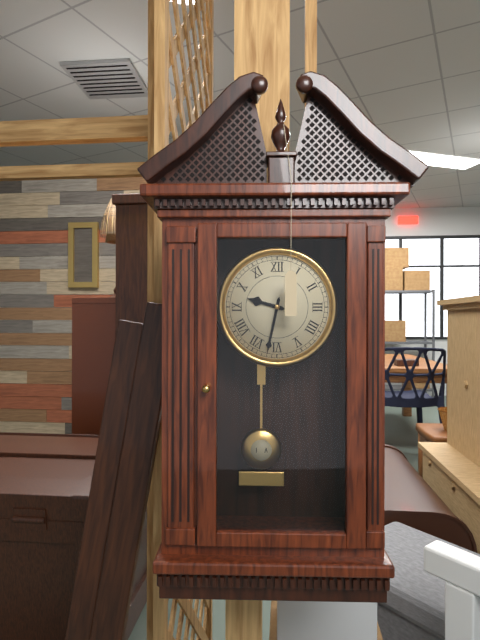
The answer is {"hour": 9, "minute": 32}
